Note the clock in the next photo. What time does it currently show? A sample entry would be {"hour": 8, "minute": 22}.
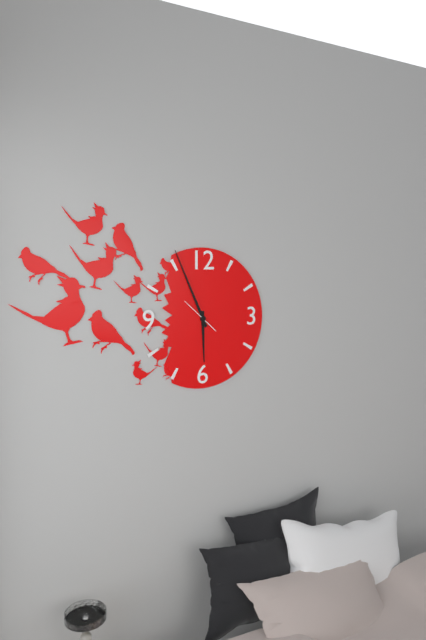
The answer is {"hour": 5, "minute": 56}
